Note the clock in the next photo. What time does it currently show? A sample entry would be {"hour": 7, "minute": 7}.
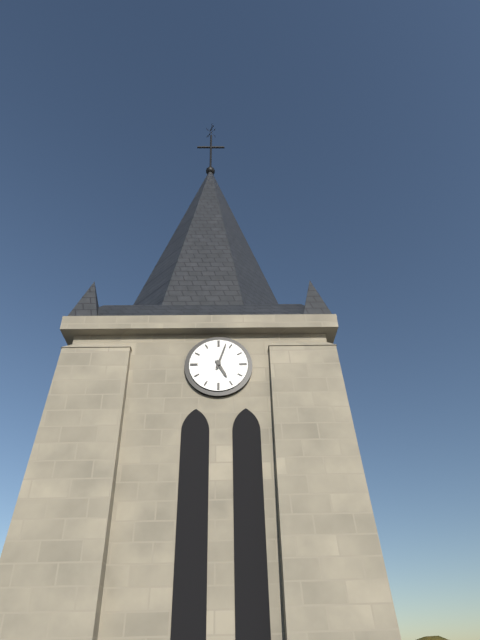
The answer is {"hour": 5, "minute": 3}
